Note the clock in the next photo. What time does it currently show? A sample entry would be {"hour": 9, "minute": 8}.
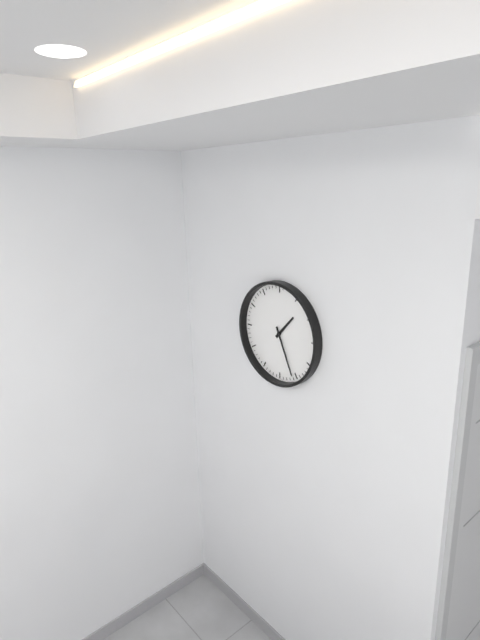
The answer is {"hour": 1, "minute": 26}
